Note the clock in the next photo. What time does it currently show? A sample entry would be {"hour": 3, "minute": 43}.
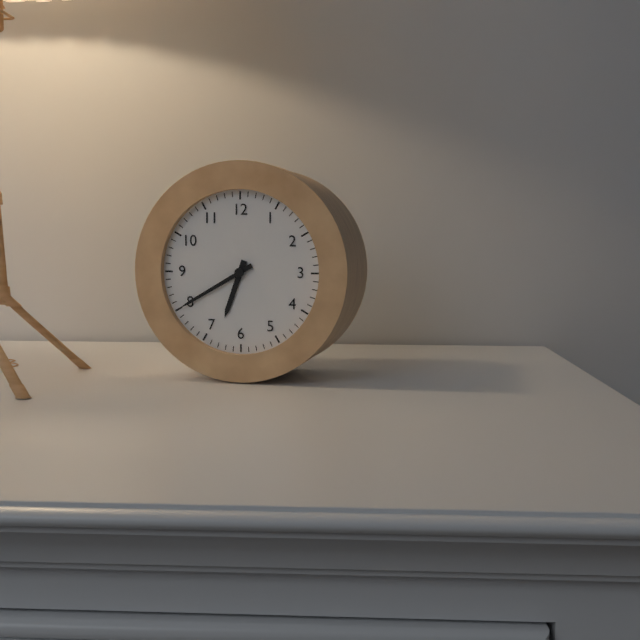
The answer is {"hour": 6, "minute": 40}
